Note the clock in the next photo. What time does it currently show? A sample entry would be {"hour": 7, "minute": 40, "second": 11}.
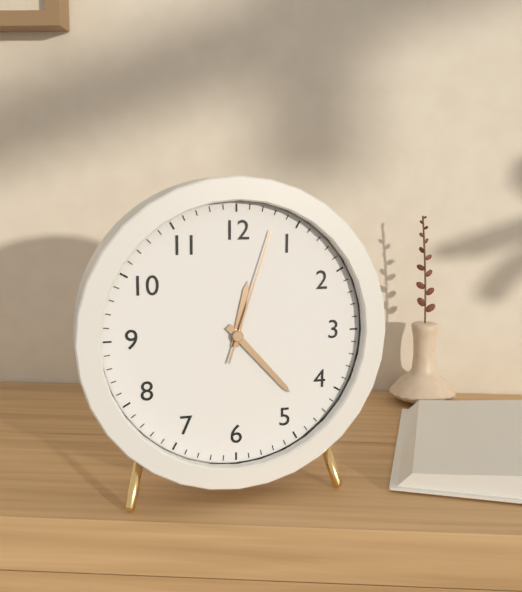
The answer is {"hour": 12, "minute": 23, "second": 3}
